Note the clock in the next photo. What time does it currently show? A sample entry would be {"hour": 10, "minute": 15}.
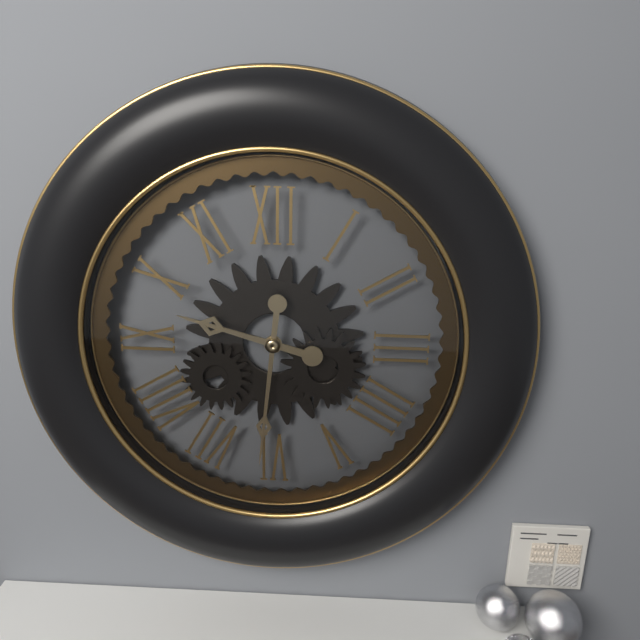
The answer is {"hour": 9, "minute": 31}
